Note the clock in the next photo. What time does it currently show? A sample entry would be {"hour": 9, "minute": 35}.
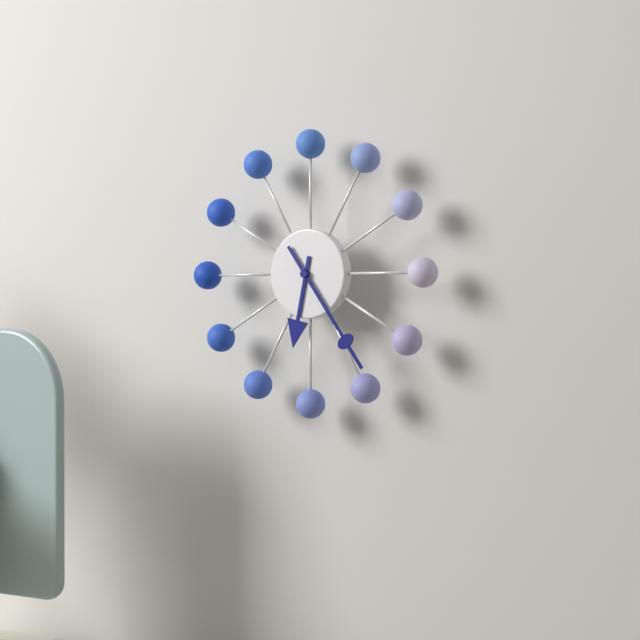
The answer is {"hour": 6, "minute": 24}
